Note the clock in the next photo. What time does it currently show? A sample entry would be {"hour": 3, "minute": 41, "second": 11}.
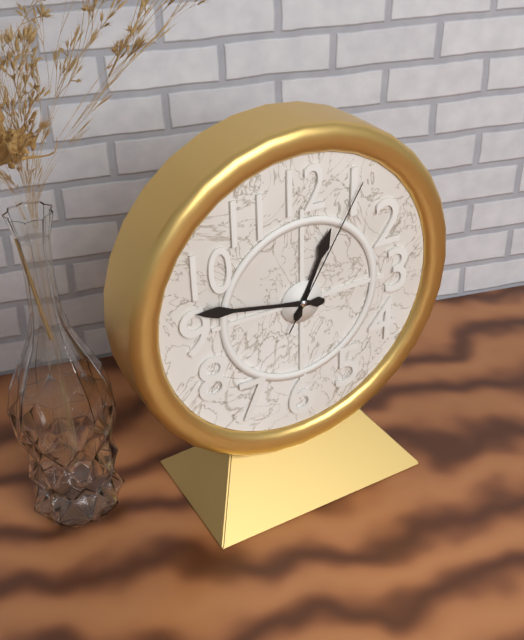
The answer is {"hour": 12, "minute": 47, "second": 5}
